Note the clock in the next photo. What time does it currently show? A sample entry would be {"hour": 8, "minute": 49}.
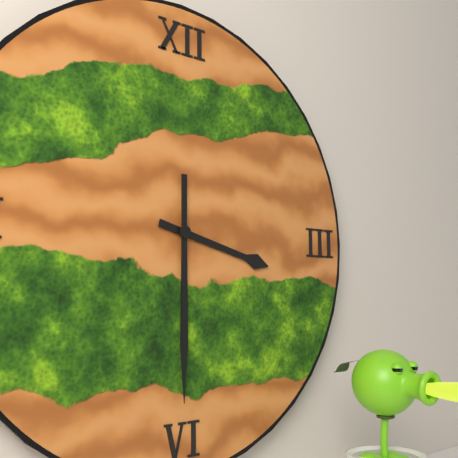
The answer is {"hour": 3, "minute": 30}
